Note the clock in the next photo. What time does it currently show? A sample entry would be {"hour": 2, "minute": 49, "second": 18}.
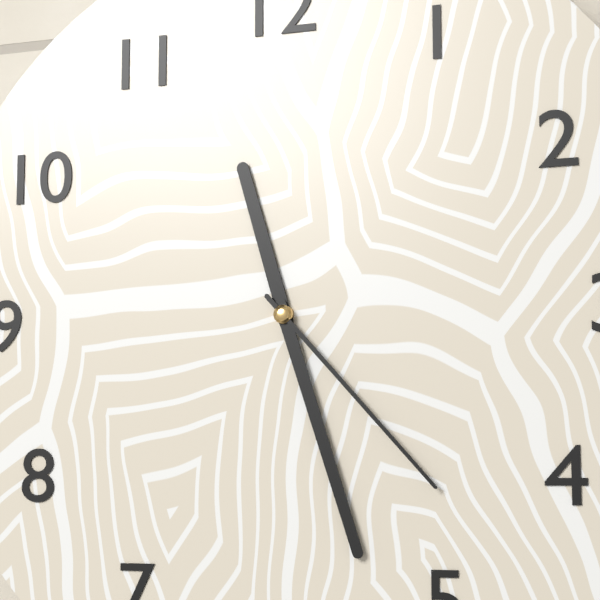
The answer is {"hour": 11, "minute": 27, "second": 23}
